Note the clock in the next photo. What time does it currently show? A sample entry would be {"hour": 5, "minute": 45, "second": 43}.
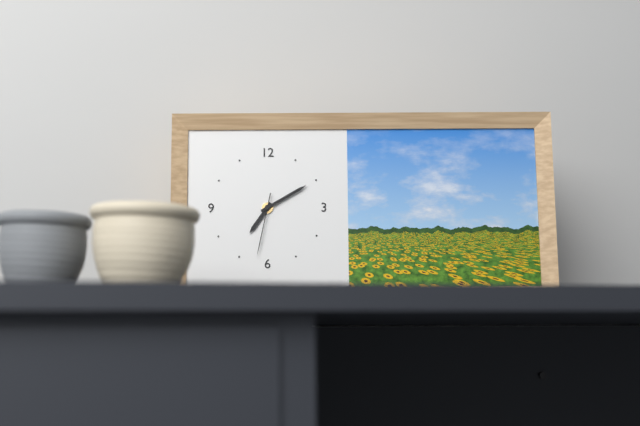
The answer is {"hour": 7, "minute": 10, "second": 32}
